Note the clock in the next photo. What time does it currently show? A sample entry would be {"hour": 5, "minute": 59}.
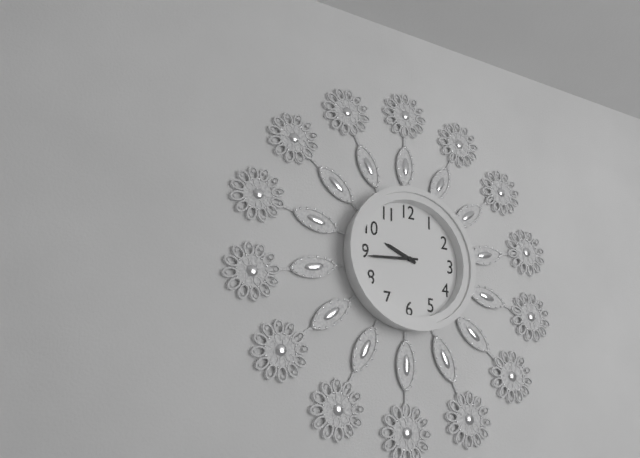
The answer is {"hour": 9, "minute": 44}
